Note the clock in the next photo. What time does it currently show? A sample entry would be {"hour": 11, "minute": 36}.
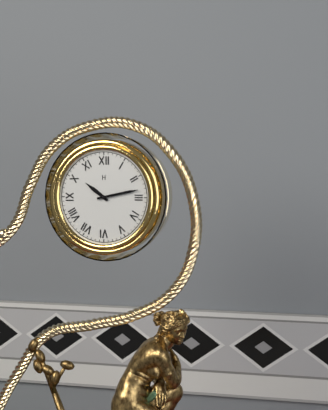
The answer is {"hour": 10, "minute": 13}
